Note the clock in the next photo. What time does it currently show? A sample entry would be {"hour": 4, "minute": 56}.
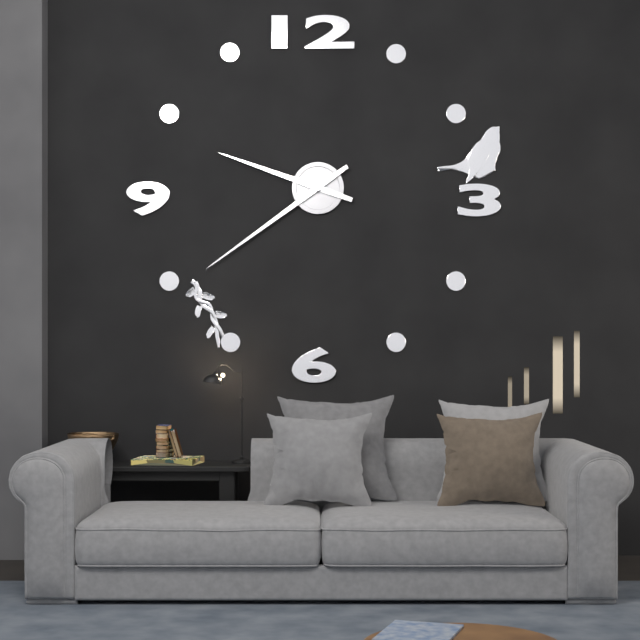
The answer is {"hour": 9, "minute": 39}
